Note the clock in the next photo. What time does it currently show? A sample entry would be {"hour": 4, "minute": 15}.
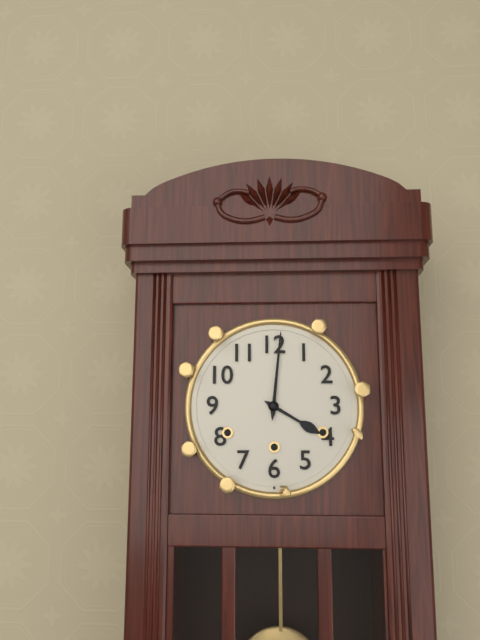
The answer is {"hour": 4, "minute": 1}
